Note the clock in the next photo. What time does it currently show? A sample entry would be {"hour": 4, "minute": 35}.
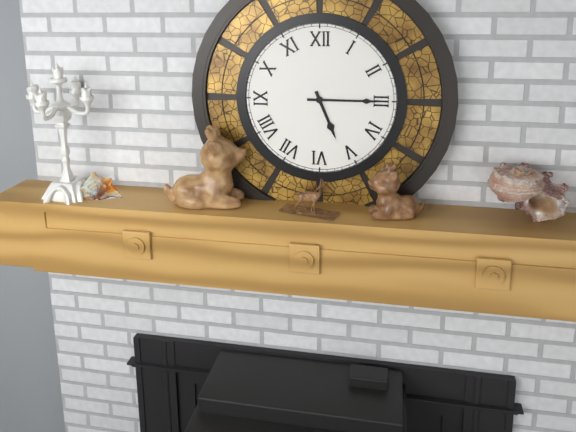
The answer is {"hour": 5, "minute": 15}
